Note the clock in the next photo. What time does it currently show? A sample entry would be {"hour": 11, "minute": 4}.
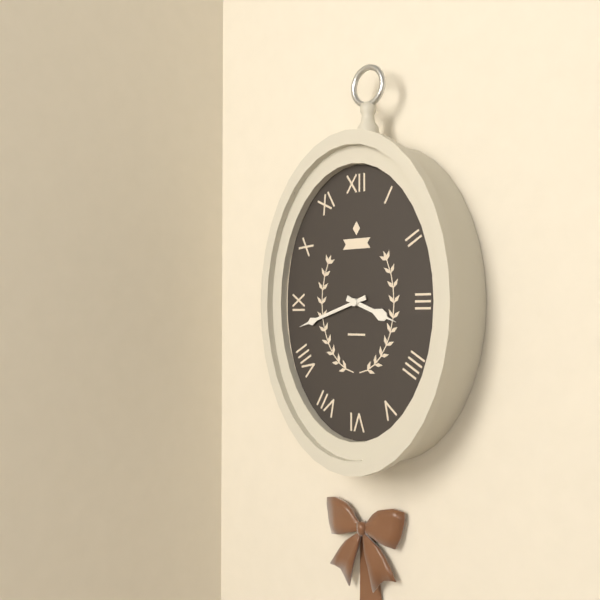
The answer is {"hour": 3, "minute": 42}
